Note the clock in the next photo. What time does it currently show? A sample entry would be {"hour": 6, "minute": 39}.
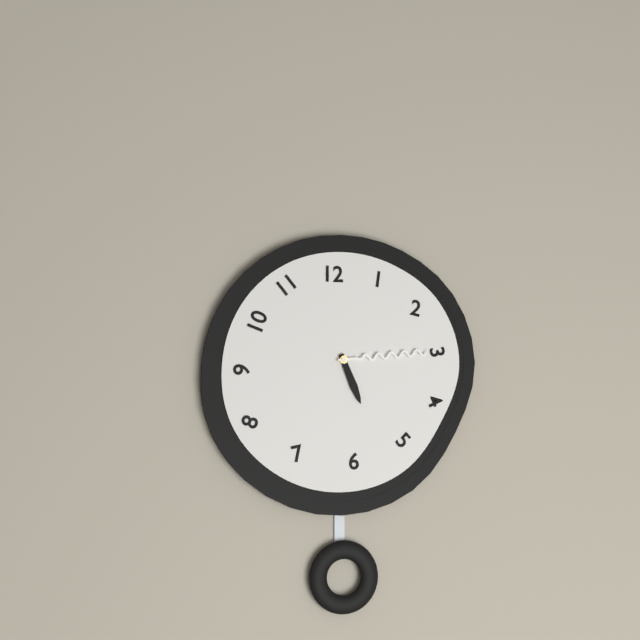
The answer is {"hour": 5, "minute": 14}
